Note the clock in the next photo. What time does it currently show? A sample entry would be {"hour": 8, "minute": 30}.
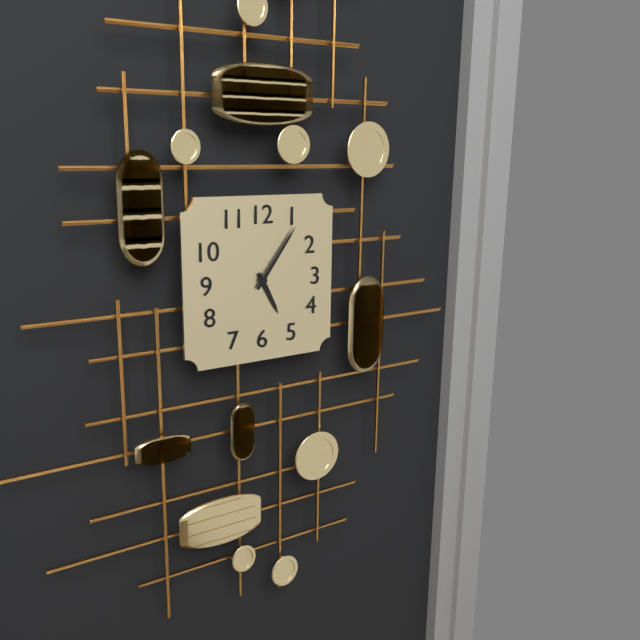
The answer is {"hour": 5, "minute": 6}
